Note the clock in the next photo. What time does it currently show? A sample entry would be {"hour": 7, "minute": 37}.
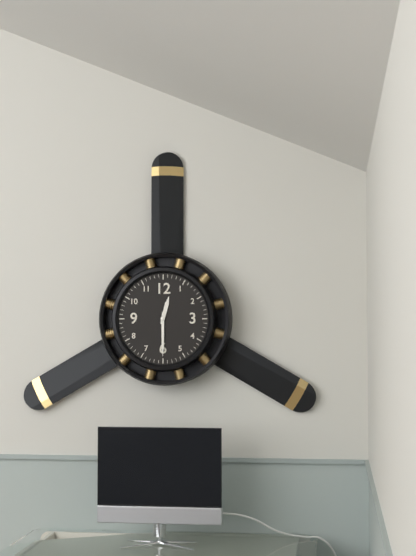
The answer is {"hour": 12, "minute": 30}
